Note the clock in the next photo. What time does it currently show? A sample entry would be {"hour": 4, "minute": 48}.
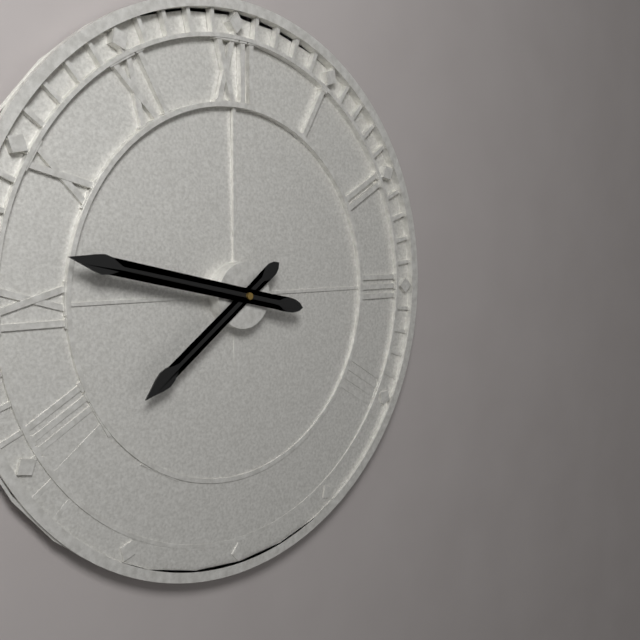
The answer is {"hour": 7, "minute": 47}
